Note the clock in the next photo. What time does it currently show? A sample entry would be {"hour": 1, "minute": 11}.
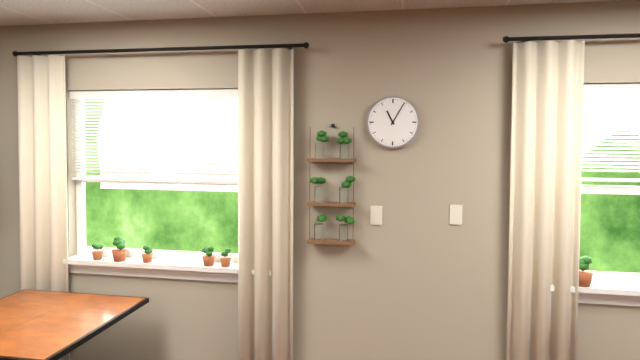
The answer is {"hour": 11, "minute": 5}
